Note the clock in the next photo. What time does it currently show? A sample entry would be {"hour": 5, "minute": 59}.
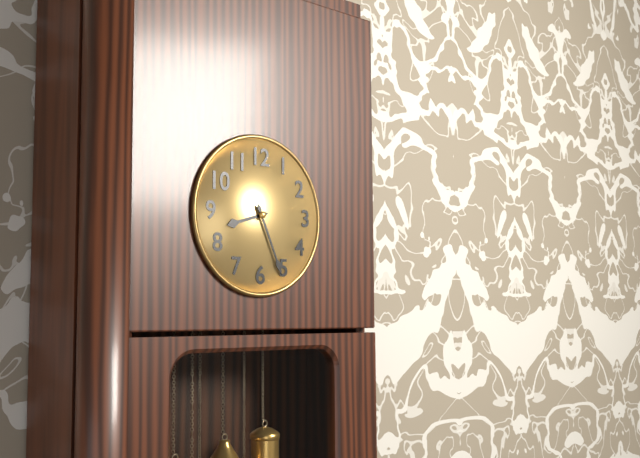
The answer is {"hour": 8, "minute": 26}
